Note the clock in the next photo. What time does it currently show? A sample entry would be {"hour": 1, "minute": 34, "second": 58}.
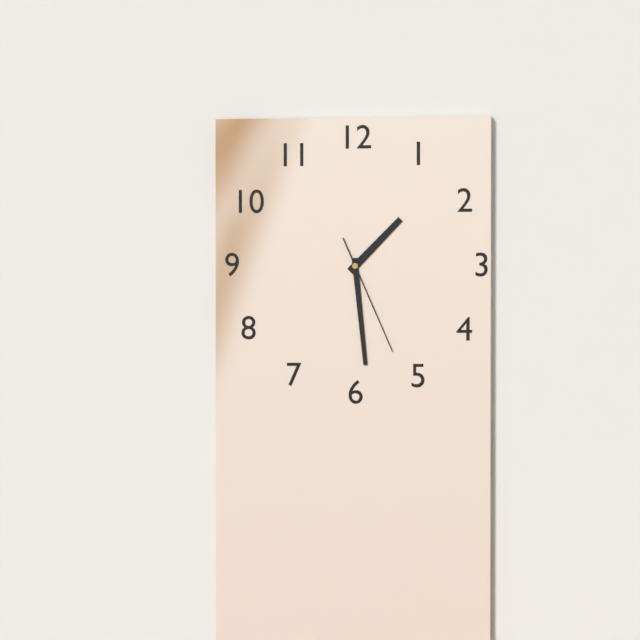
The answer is {"hour": 1, "minute": 29, "second": 26}
